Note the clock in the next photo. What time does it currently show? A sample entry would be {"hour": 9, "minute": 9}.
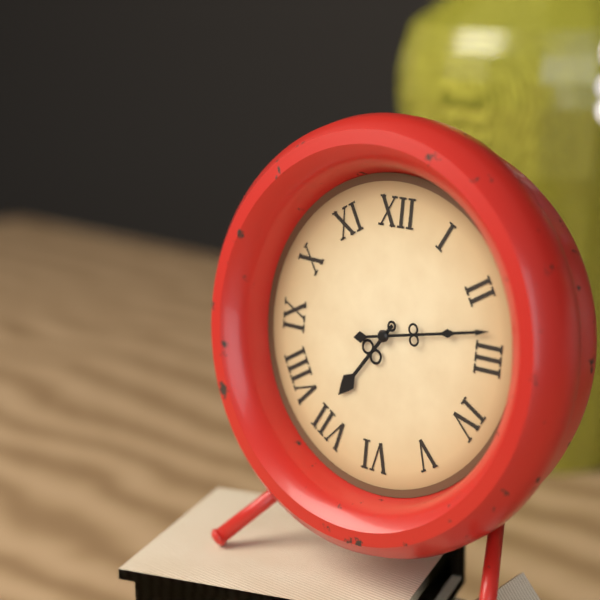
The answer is {"hour": 7, "minute": 13}
